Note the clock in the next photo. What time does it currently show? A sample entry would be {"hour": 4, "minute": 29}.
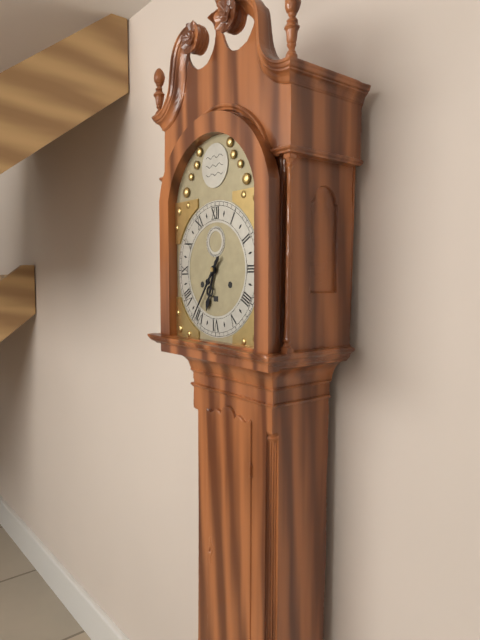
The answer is {"hour": 6, "minute": 36}
